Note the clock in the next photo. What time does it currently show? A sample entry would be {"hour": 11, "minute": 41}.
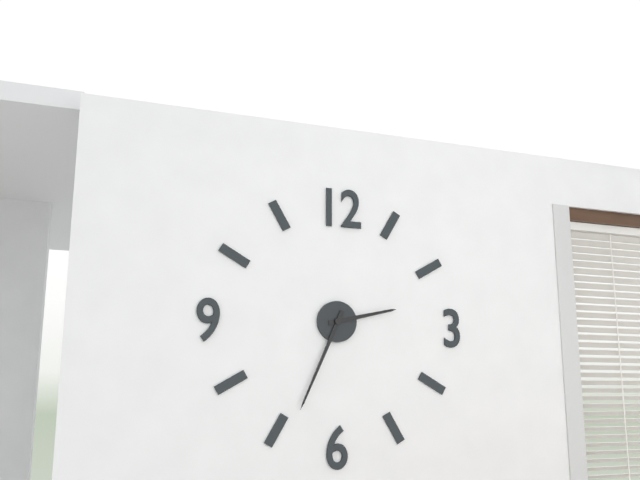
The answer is {"hour": 2, "minute": 34}
